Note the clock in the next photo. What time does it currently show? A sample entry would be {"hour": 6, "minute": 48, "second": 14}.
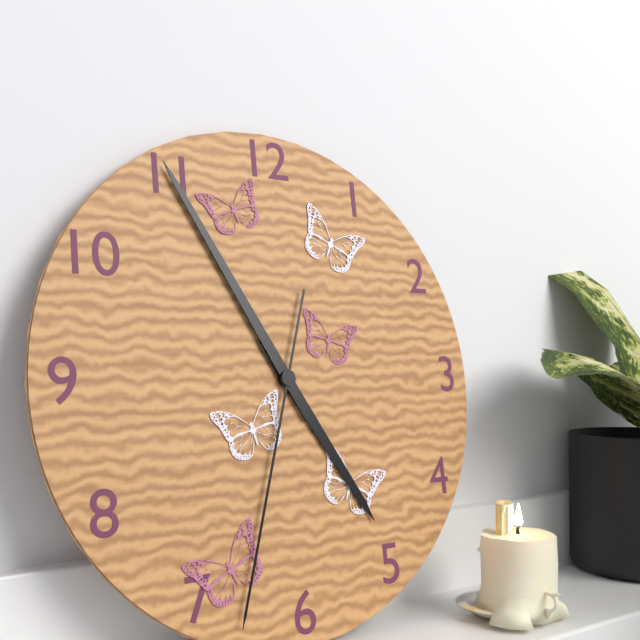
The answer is {"hour": 4, "minute": 55, "second": 33}
